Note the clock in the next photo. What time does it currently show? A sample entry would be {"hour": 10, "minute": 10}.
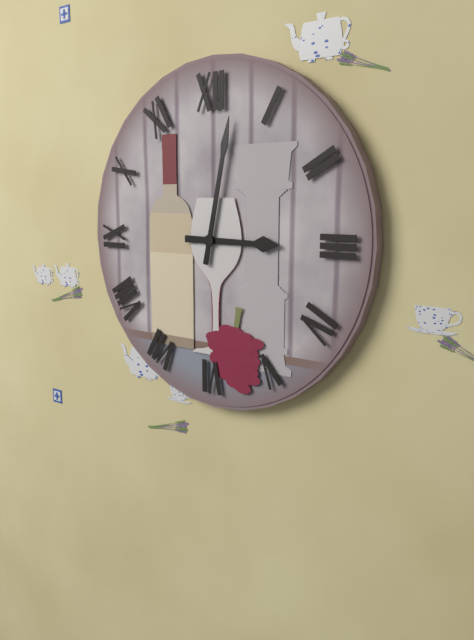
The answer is {"hour": 3, "minute": 2}
